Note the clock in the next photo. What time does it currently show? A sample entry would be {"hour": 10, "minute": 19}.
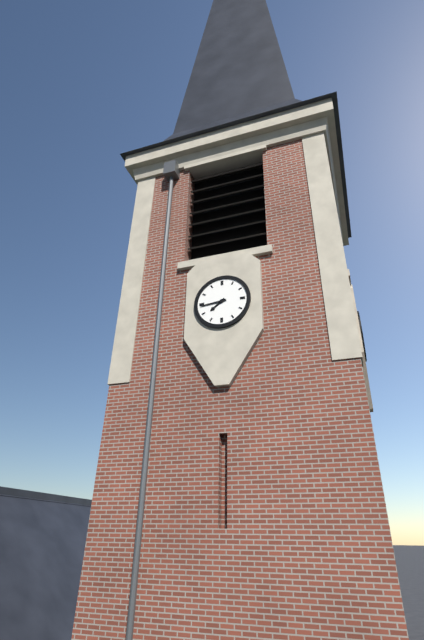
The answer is {"hour": 7, "minute": 44}
